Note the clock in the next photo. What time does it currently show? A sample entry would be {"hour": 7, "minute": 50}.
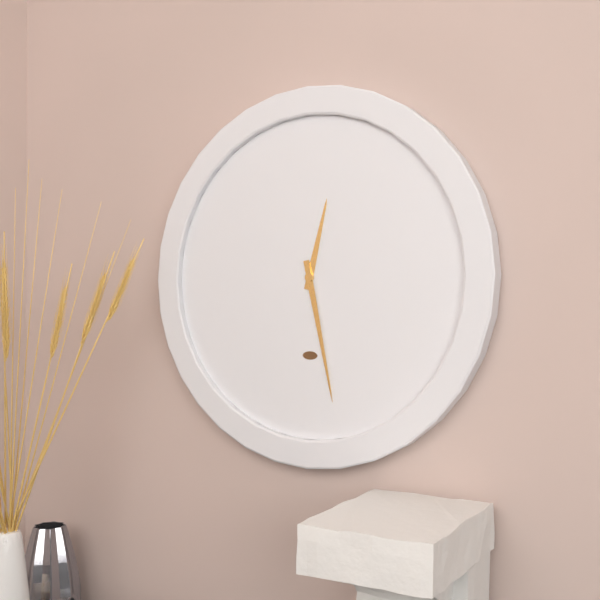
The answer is {"hour": 12, "minute": 28}
